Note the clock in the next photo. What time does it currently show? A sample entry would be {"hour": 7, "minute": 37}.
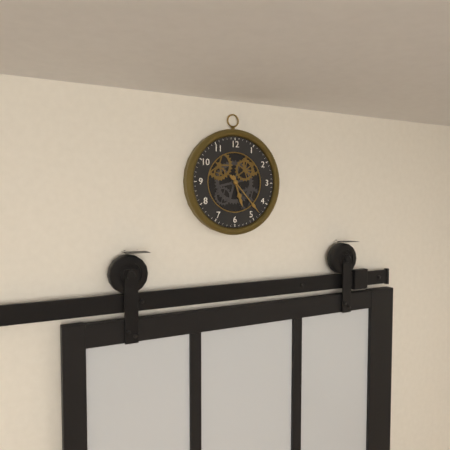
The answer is {"hour": 5, "minute": 23}
